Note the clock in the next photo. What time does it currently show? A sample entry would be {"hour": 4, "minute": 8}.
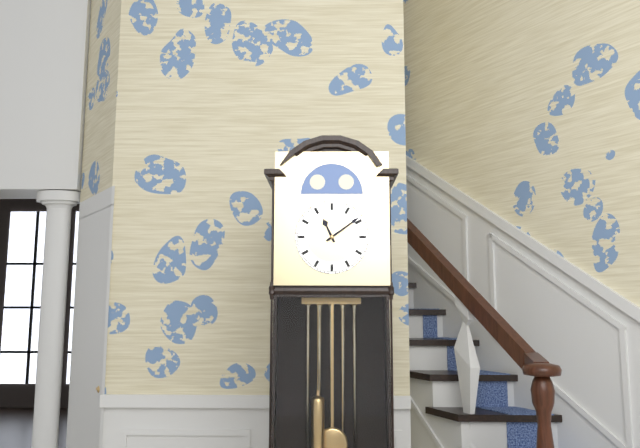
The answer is {"hour": 11, "minute": 9}
